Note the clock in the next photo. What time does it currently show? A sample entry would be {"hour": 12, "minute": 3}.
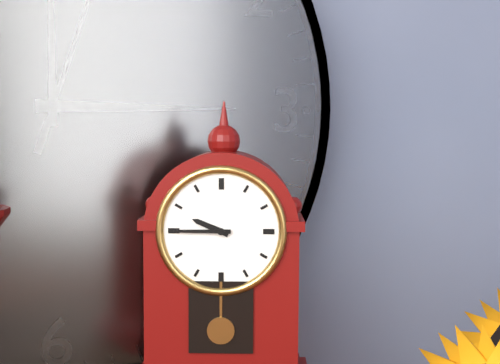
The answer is {"hour": 9, "minute": 45}
